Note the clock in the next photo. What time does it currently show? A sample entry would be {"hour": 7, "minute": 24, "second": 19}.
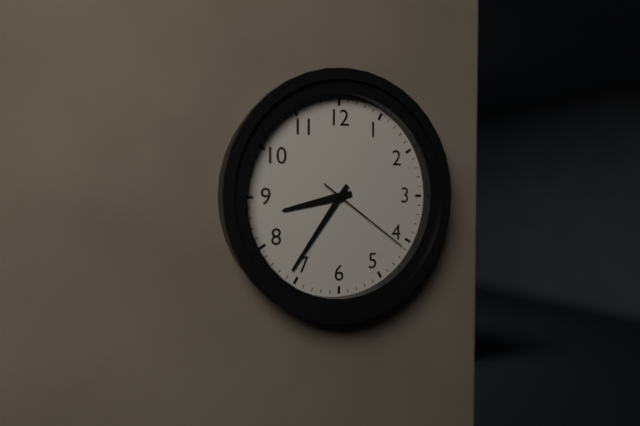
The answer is {"hour": 8, "minute": 36, "second": 21}
